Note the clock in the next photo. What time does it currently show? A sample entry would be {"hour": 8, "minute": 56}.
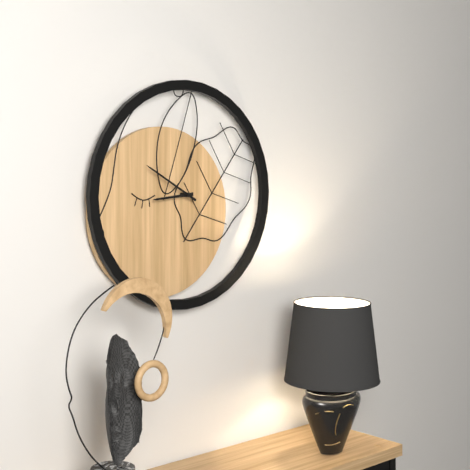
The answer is {"hour": 8, "minute": 50}
